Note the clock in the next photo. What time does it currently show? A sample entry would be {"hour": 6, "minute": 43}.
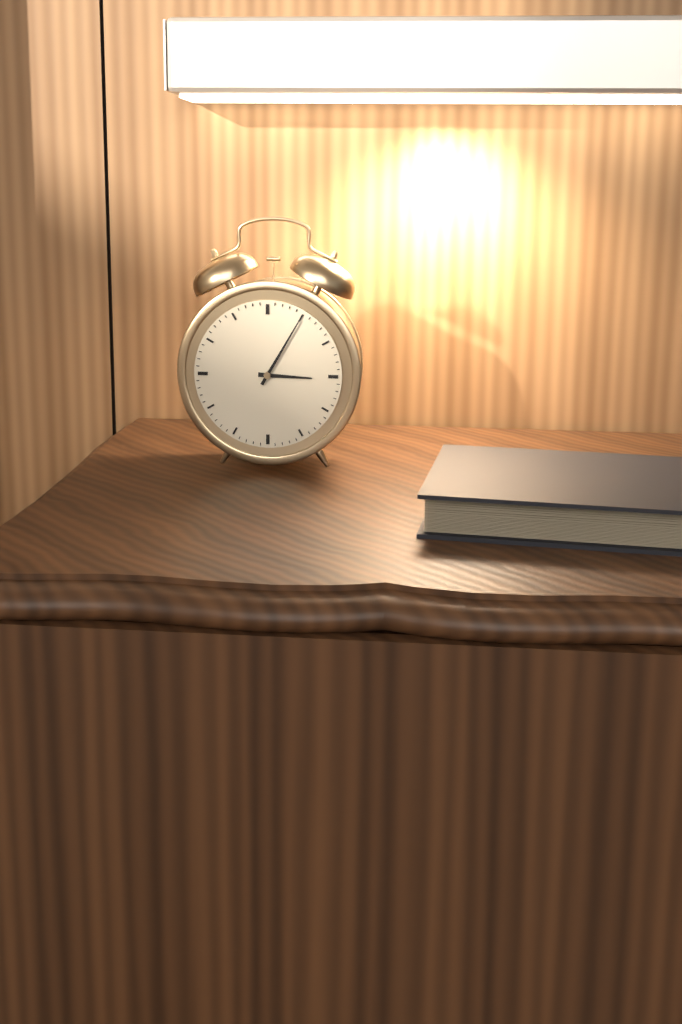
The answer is {"hour": 3, "minute": 5}
